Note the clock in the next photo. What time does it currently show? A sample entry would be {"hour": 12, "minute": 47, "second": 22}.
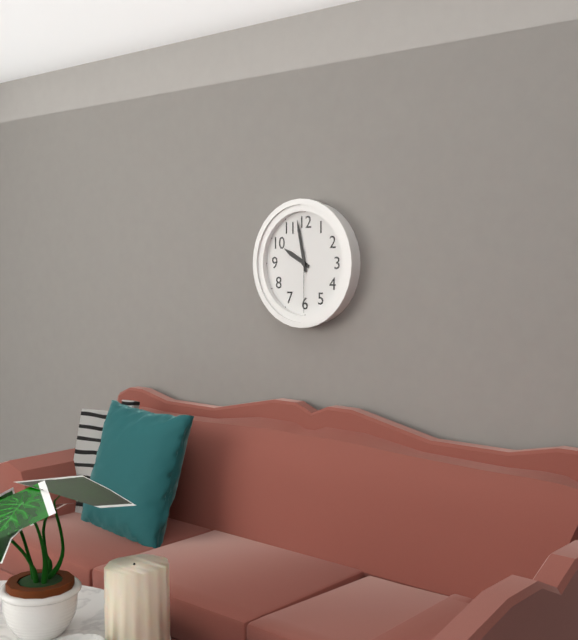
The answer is {"hour": 9, "minute": 58, "second": 30}
